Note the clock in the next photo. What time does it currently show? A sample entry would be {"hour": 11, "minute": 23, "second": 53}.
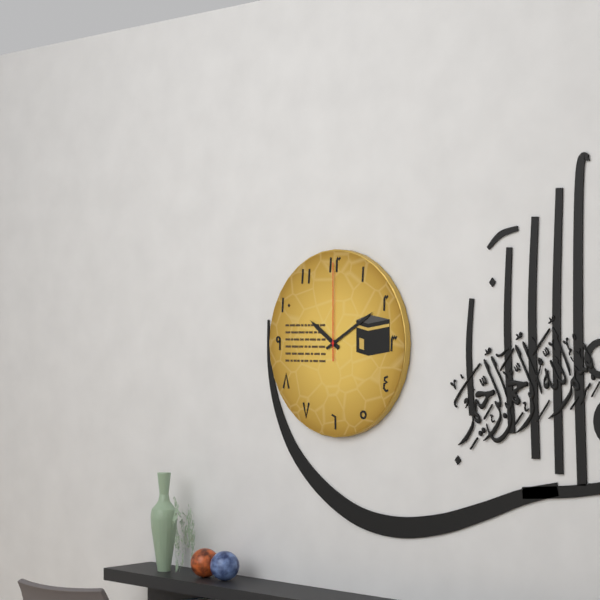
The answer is {"hour": 10, "minute": 10, "second": 0}
